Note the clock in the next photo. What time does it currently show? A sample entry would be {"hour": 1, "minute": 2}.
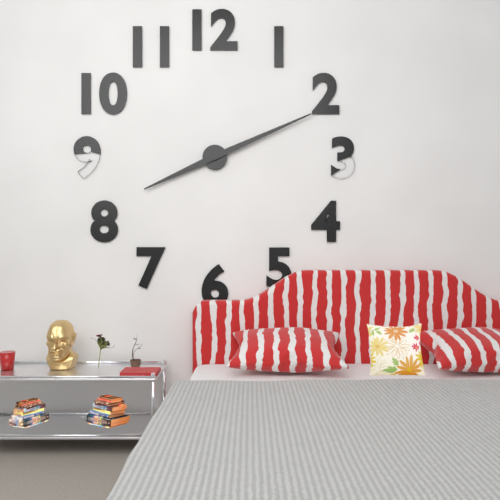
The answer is {"hour": 8, "minute": 11}
